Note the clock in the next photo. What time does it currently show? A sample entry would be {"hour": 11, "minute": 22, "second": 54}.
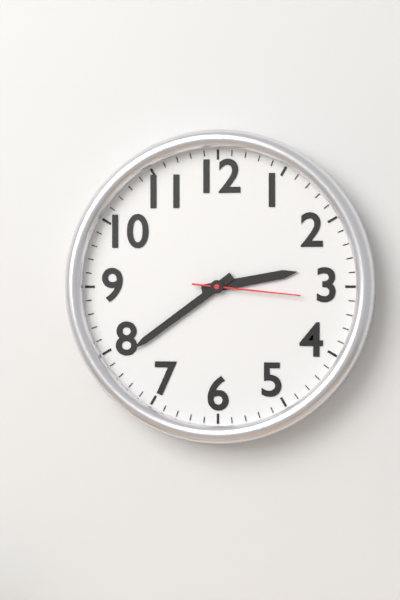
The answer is {"hour": 2, "minute": 39, "second": 16}
